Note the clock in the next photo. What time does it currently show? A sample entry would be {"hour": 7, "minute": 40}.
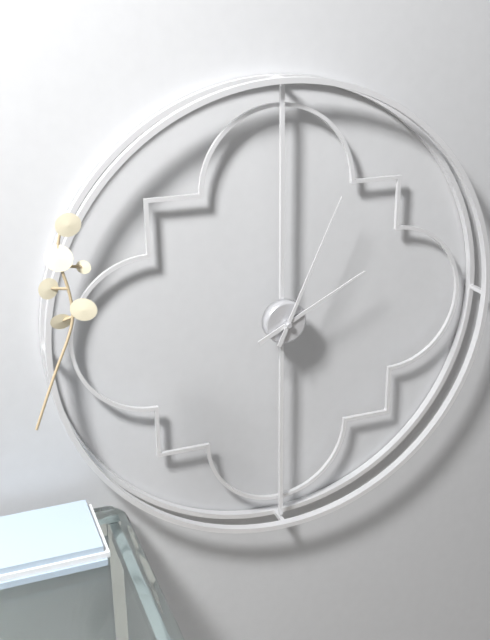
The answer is {"hour": 2, "minute": 4}
